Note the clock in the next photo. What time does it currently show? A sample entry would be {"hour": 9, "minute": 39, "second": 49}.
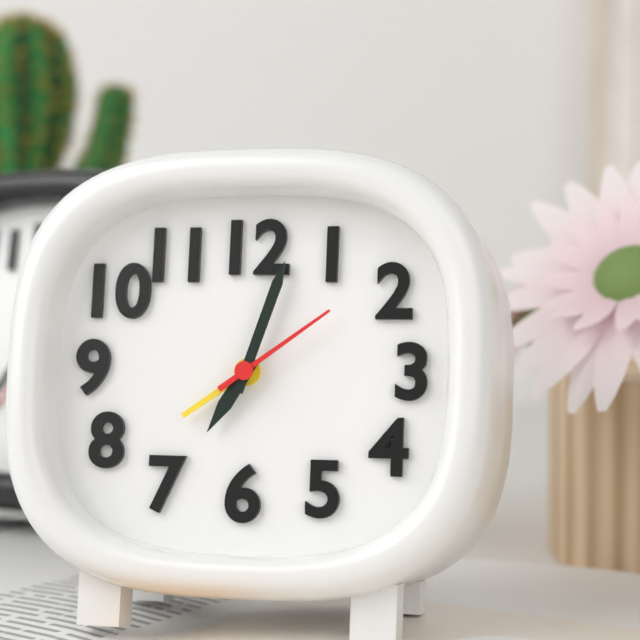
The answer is {"hour": 7, "minute": 3, "second": 9}
